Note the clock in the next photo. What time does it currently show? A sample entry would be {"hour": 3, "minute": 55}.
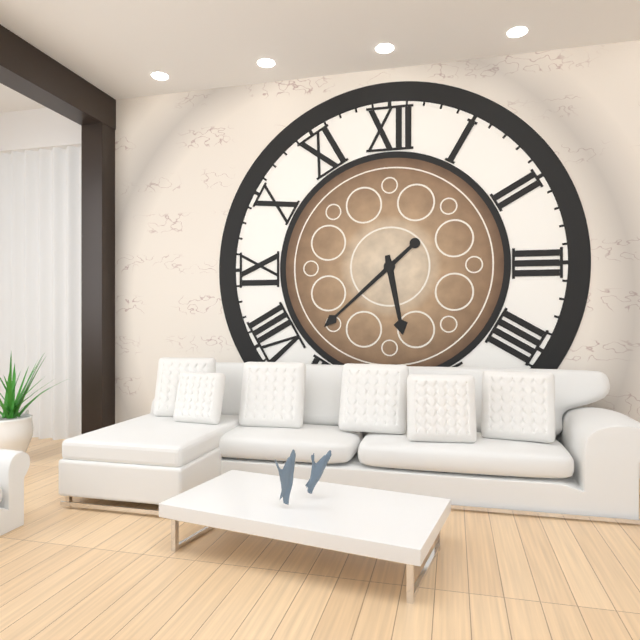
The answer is {"hour": 5, "minute": 38}
